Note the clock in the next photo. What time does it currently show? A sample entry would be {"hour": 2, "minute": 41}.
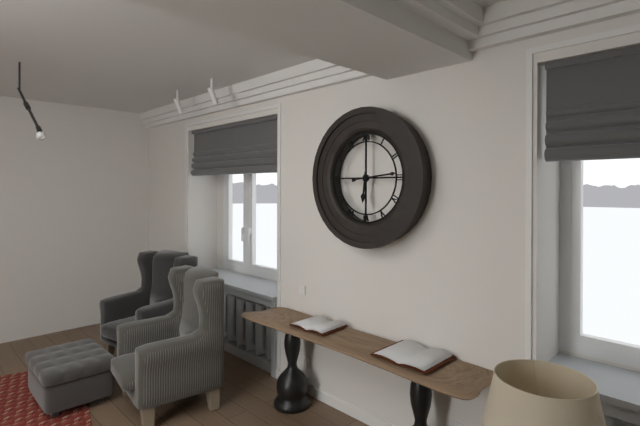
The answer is {"hour": 6, "minute": 14}
